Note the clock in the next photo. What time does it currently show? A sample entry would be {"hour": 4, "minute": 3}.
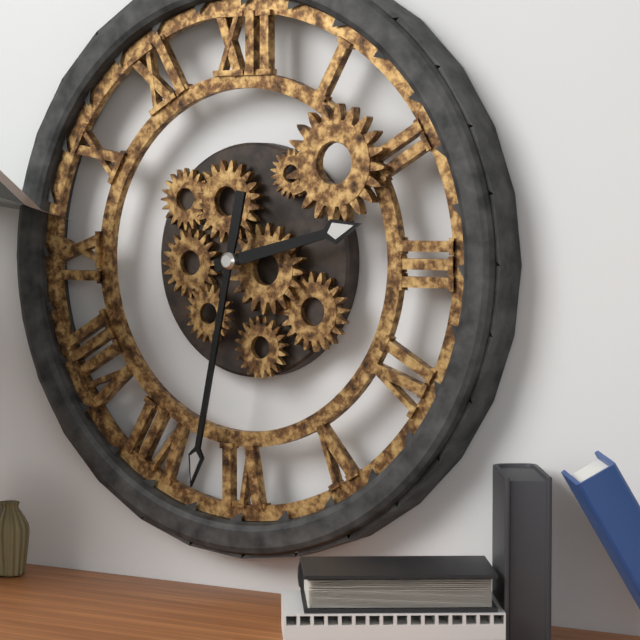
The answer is {"hour": 2, "minute": 32}
